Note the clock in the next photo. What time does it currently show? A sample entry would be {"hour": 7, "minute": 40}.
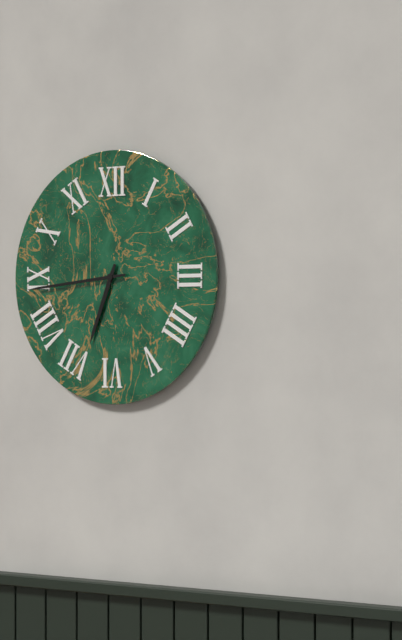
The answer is {"hour": 6, "minute": 44}
